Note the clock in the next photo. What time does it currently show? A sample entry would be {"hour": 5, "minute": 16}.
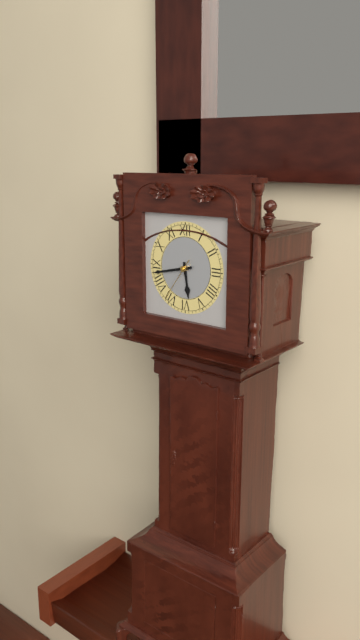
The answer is {"hour": 5, "minute": 43}
